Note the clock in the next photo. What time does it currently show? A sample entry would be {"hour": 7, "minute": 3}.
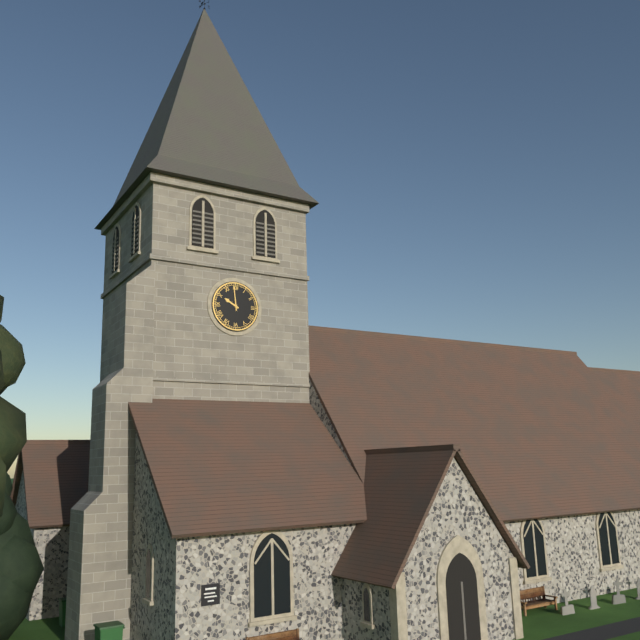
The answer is {"hour": 9, "minute": 59}
